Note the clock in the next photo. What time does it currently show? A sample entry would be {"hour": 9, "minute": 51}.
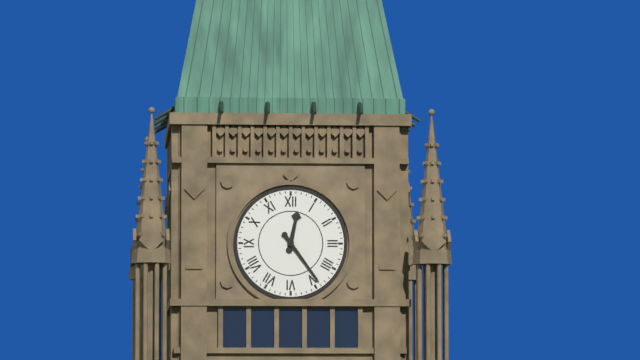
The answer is {"hour": 12, "minute": 24}
